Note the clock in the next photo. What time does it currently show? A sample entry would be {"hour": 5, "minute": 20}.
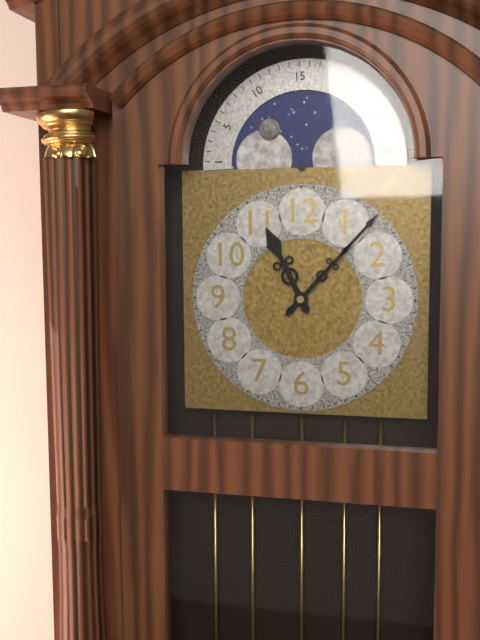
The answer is {"hour": 11, "minute": 7}
